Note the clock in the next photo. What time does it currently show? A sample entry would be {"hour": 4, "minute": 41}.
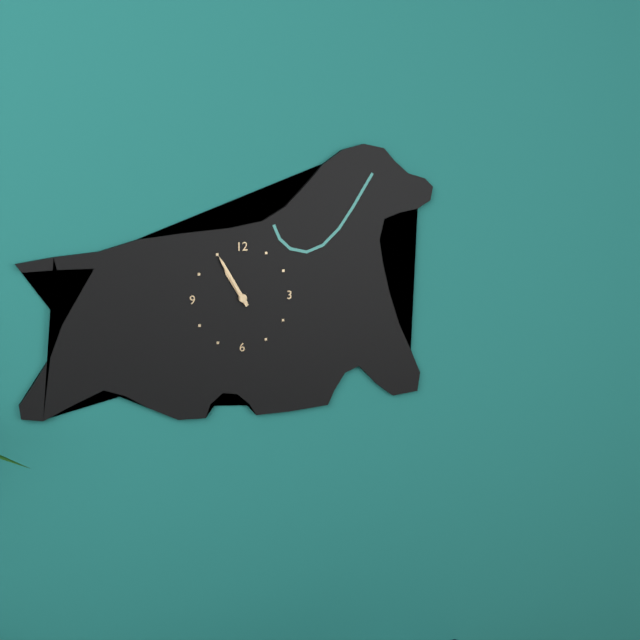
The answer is {"hour": 10, "minute": 55}
